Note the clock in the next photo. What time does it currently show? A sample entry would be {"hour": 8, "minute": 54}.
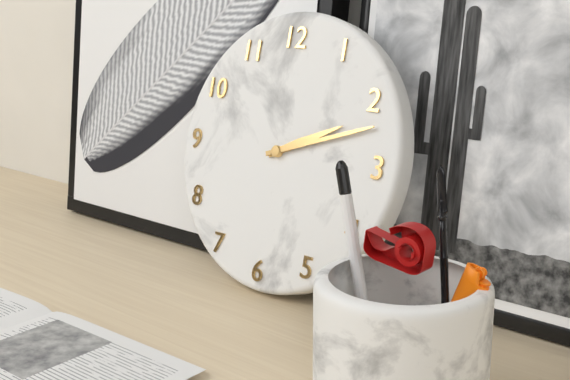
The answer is {"hour": 2, "minute": 12}
